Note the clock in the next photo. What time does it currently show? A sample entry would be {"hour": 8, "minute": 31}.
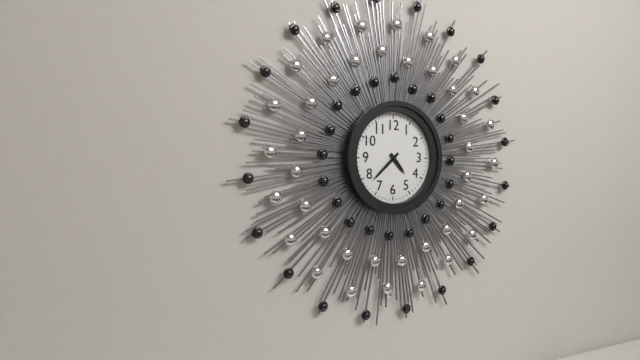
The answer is {"hour": 4, "minute": 38}
